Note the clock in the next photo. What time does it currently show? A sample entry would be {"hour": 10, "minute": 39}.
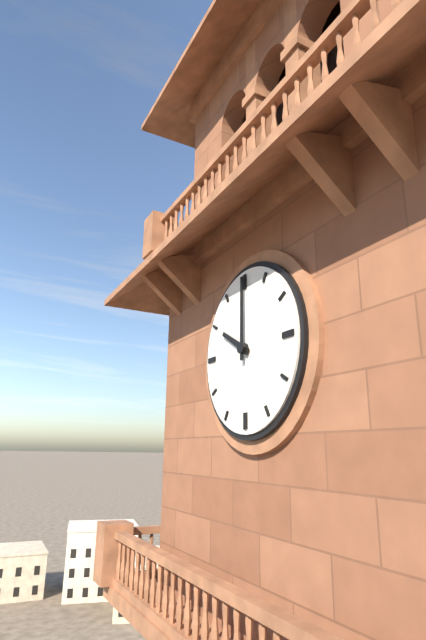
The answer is {"hour": 10, "minute": 0}
